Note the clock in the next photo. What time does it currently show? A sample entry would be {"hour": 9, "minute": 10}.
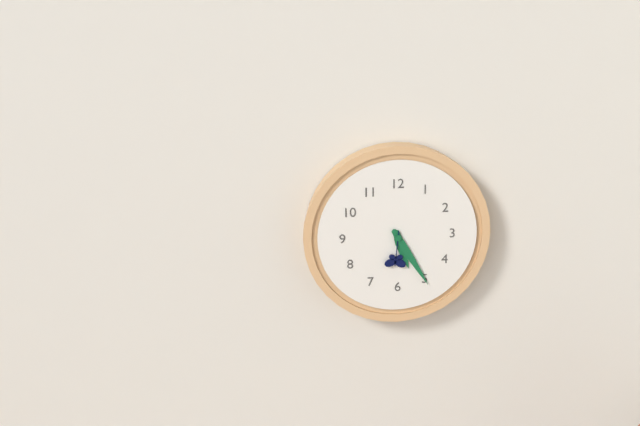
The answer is {"hour": 5, "minute": 25}
